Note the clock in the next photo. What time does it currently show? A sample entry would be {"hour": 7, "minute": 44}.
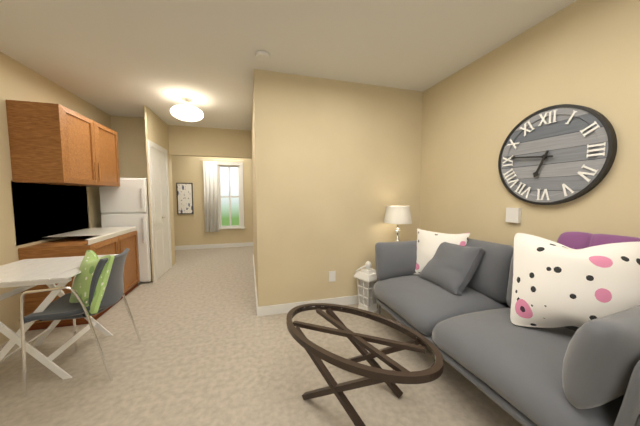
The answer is {"hour": 6, "minute": 46}
